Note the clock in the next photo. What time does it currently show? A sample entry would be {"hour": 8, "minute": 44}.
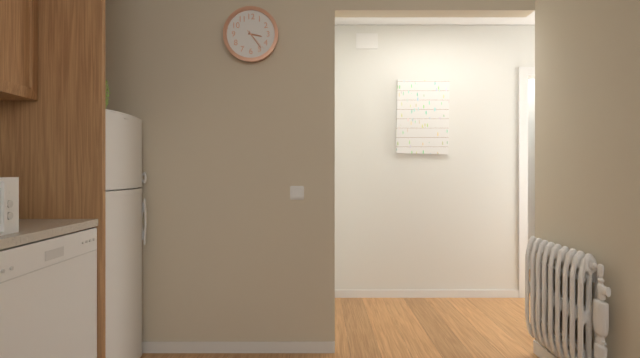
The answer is {"hour": 3, "minute": 24}
